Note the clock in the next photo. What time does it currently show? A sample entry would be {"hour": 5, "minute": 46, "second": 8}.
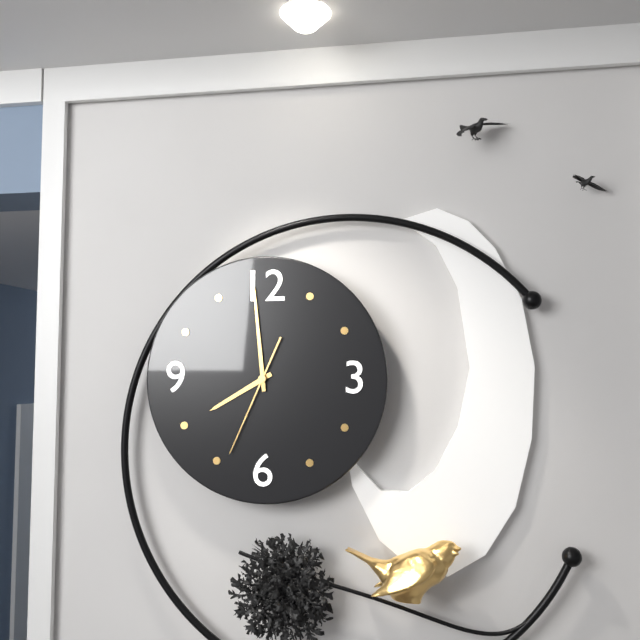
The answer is {"hour": 7, "minute": 59, "second": 34}
